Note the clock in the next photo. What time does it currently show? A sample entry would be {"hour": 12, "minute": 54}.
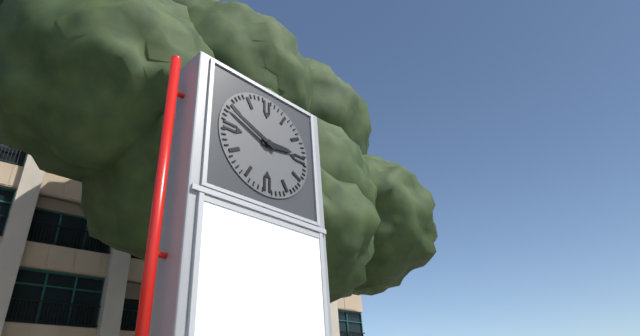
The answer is {"hour": 2, "minute": 49}
